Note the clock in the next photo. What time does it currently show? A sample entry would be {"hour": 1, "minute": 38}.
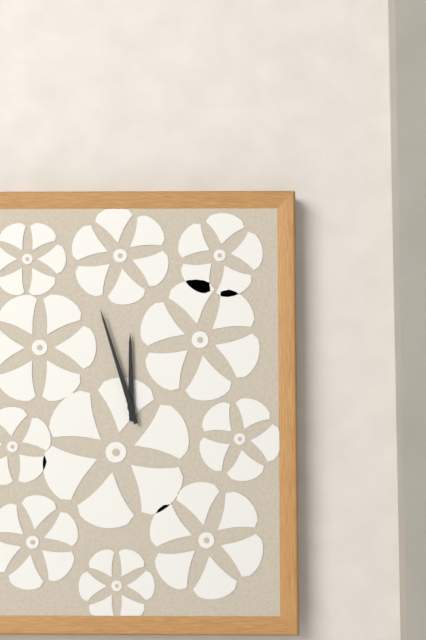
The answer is {"hour": 11, "minute": 57}
